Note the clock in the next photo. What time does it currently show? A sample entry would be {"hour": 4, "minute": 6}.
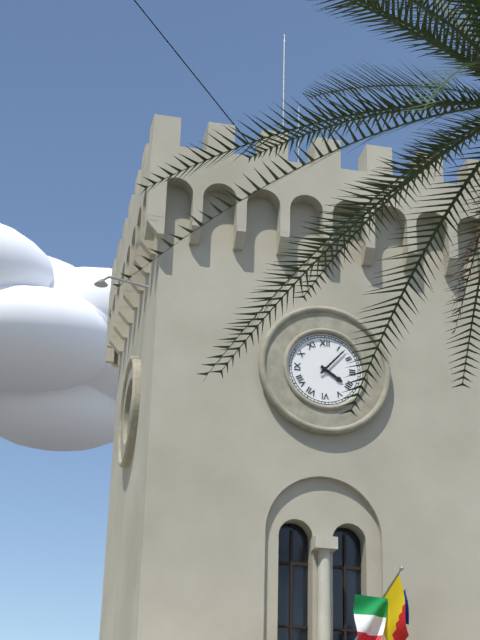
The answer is {"hour": 4, "minute": 7}
